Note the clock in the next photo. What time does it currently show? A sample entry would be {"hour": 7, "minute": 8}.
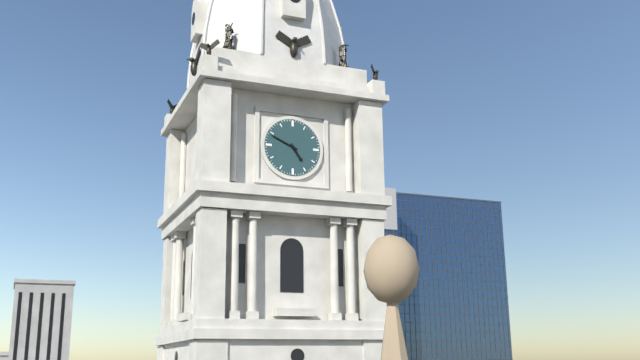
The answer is {"hour": 4, "minute": 49}
